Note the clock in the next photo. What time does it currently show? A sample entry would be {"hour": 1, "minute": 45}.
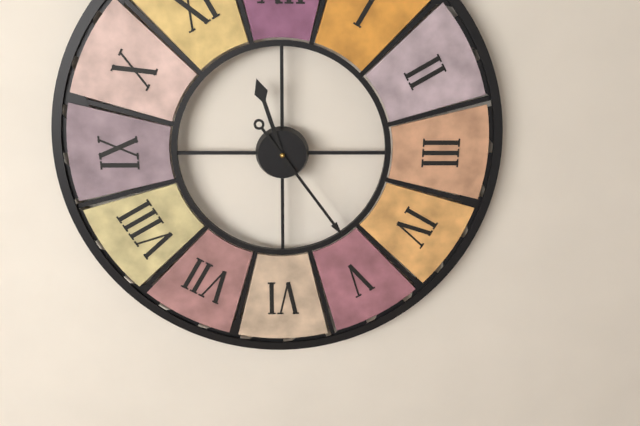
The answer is {"hour": 11, "minute": 24}
